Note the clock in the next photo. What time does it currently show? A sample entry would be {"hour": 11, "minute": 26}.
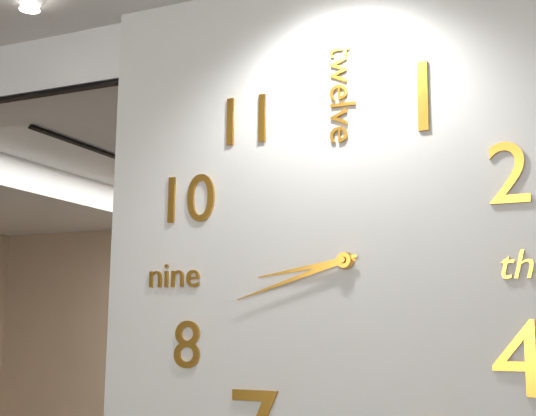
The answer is {"hour": 8, "minute": 42}
